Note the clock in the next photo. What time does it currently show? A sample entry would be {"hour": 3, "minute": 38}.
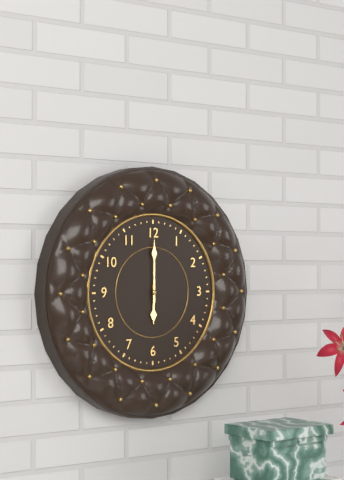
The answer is {"hour": 6, "minute": 0}
